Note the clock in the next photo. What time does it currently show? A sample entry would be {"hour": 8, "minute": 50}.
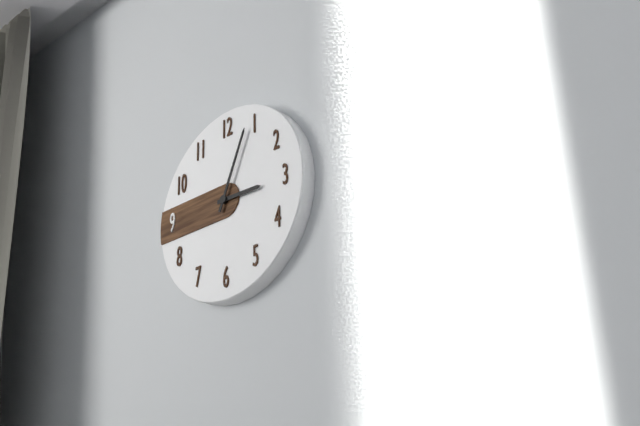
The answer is {"hour": 3, "minute": 4}
